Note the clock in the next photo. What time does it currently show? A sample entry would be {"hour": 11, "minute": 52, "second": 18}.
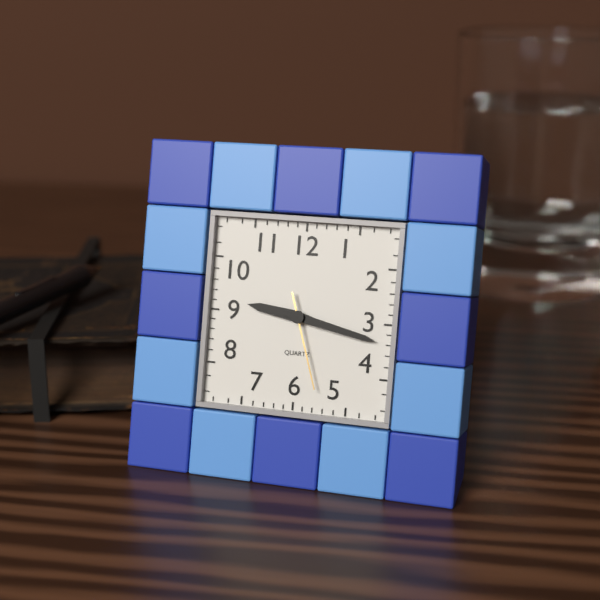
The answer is {"hour": 9, "minute": 17, "second": 27}
